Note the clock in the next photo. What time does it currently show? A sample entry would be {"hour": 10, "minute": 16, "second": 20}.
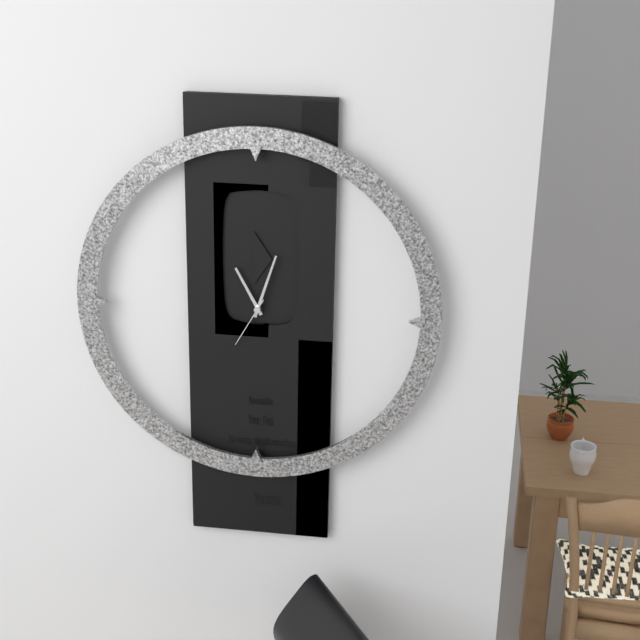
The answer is {"hour": 11, "minute": 3, "second": 35}
